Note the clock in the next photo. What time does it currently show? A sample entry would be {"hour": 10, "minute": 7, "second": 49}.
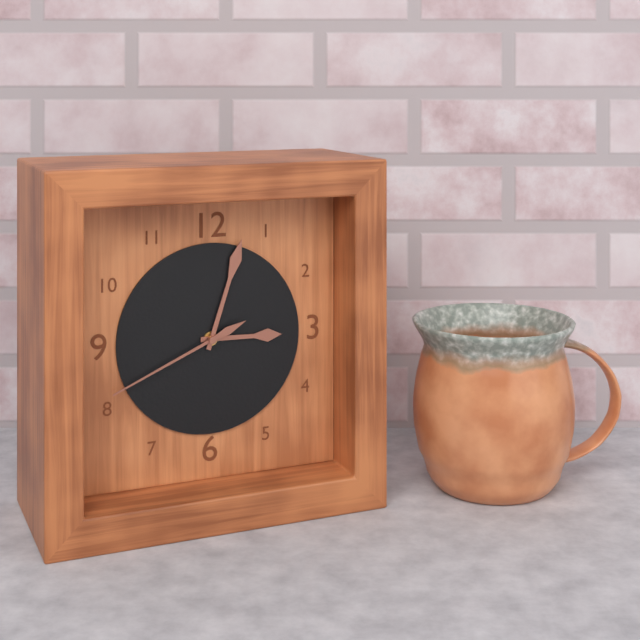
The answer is {"hour": 3, "minute": 3, "second": 41}
